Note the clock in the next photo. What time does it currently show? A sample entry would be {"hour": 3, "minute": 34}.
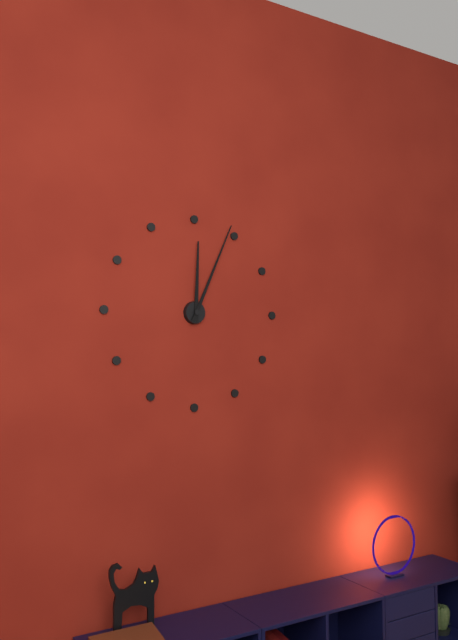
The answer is {"hour": 12, "minute": 4}
